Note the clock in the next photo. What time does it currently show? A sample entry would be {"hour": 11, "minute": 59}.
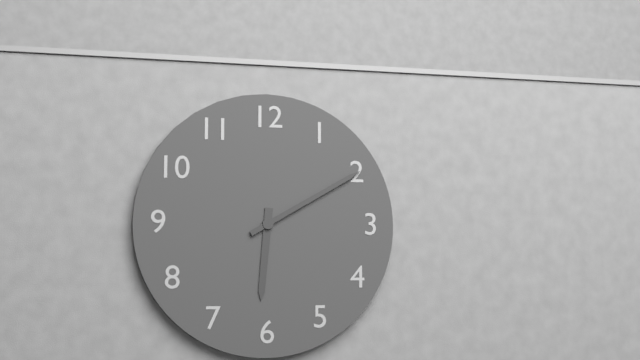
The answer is {"hour": 6, "minute": 10}
